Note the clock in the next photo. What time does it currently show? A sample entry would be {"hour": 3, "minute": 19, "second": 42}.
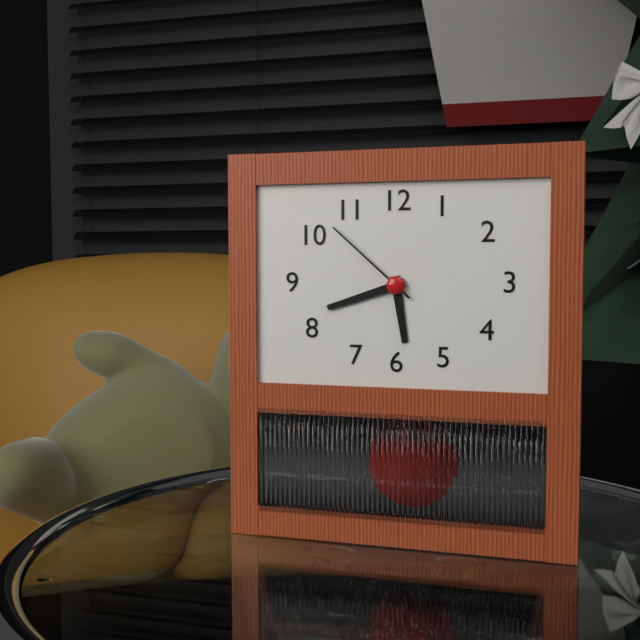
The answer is {"hour": 5, "minute": 42, "second": 52}
